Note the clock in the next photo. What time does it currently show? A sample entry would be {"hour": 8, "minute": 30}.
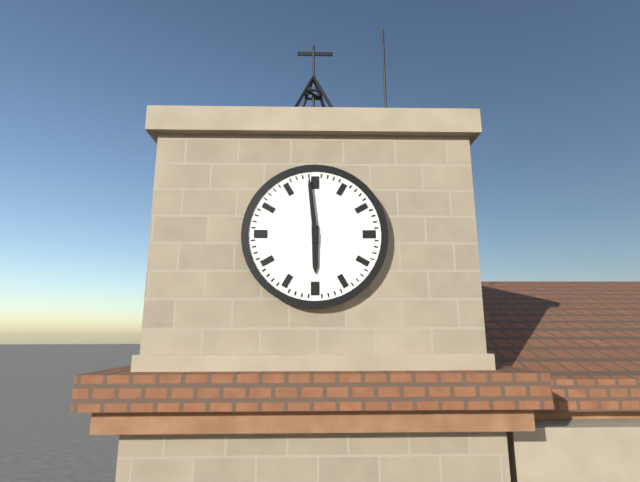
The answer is {"hour": 5, "minute": 59}
